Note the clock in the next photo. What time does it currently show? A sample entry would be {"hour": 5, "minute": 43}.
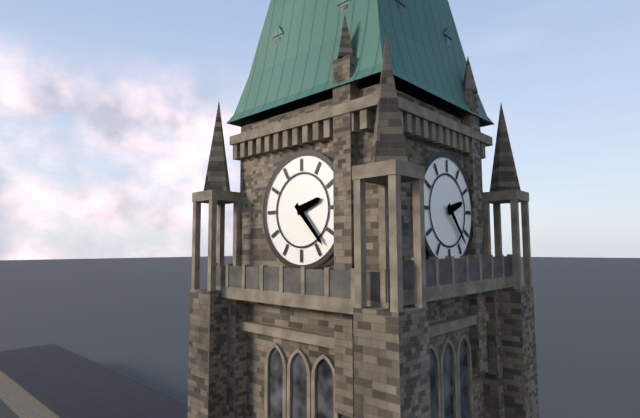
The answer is {"hour": 2, "minute": 23}
